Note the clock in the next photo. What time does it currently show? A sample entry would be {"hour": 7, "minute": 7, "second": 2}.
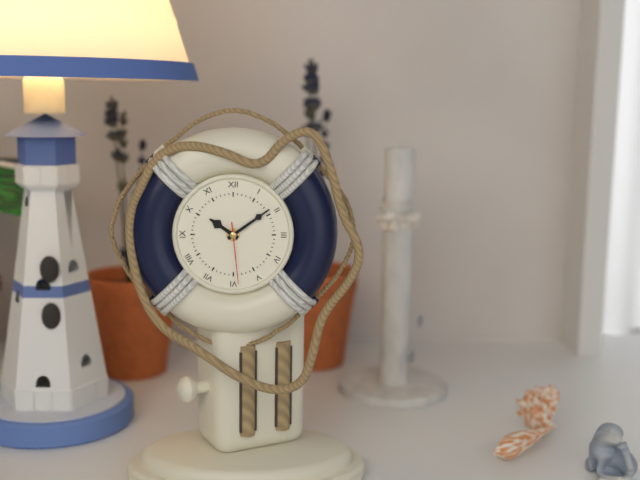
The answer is {"hour": 10, "minute": 9, "second": 29}
